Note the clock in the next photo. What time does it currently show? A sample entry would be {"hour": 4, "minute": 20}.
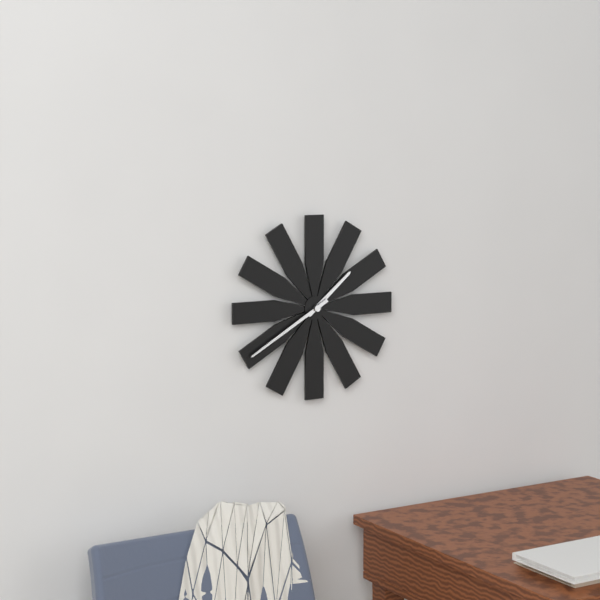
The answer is {"hour": 1, "minute": 40}
